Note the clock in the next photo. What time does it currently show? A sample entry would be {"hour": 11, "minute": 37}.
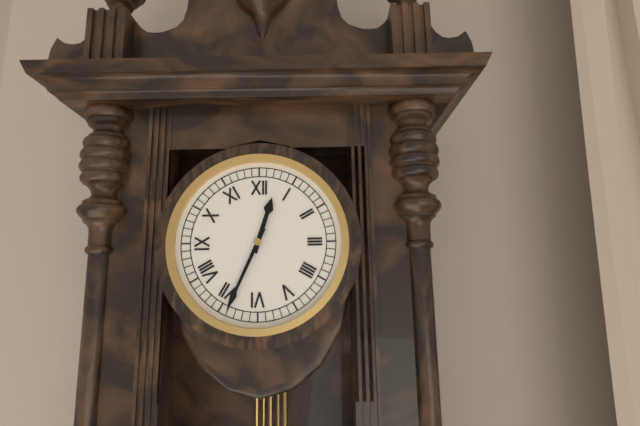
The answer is {"hour": 12, "minute": 34}
